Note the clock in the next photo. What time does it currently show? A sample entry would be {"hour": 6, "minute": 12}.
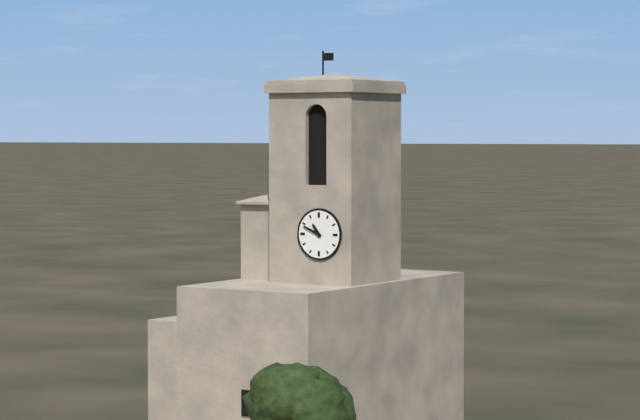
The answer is {"hour": 10, "minute": 49}
